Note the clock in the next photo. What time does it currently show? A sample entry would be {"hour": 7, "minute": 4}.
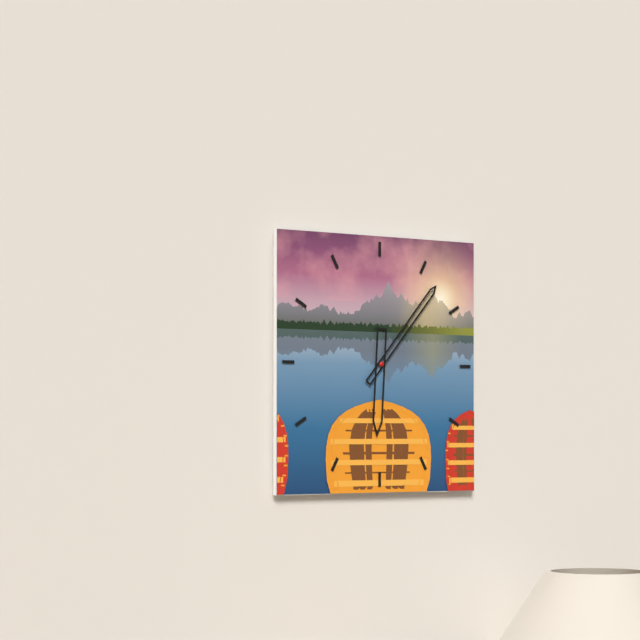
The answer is {"hour": 6, "minute": 7}
